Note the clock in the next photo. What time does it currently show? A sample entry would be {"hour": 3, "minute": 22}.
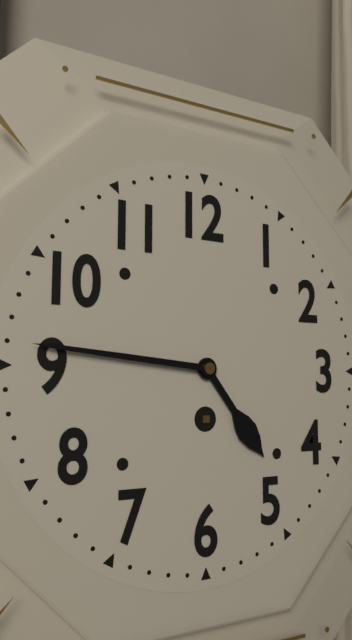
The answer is {"hour": 4, "minute": 46}
